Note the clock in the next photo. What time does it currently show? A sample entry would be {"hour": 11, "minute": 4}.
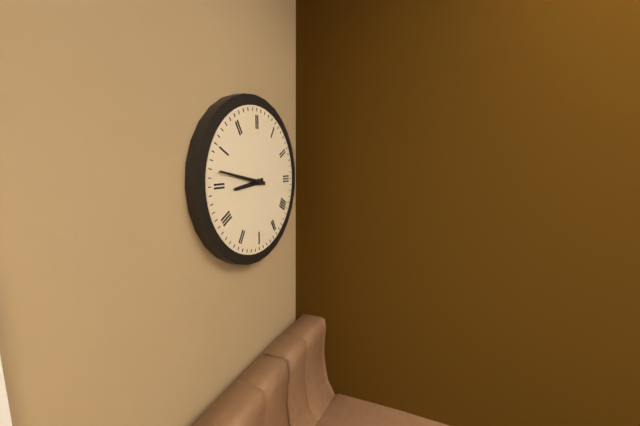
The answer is {"hour": 8, "minute": 47}
